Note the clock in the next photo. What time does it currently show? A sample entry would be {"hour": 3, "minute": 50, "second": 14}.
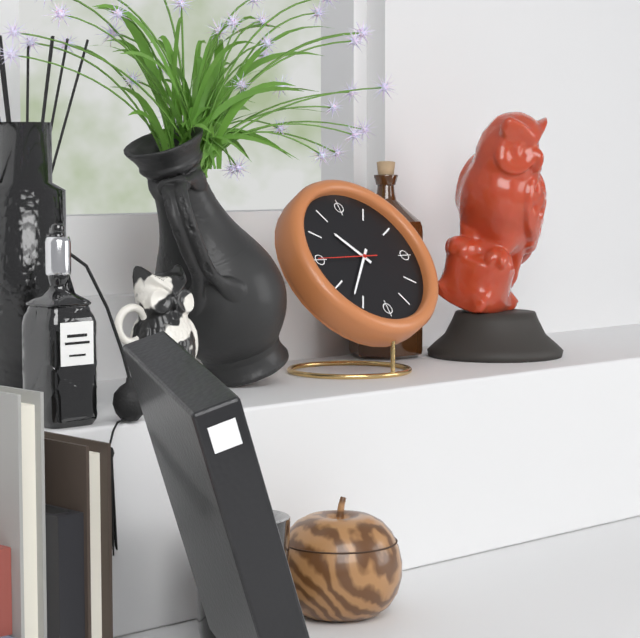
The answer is {"hour": 10, "minute": 37, "second": 45}
